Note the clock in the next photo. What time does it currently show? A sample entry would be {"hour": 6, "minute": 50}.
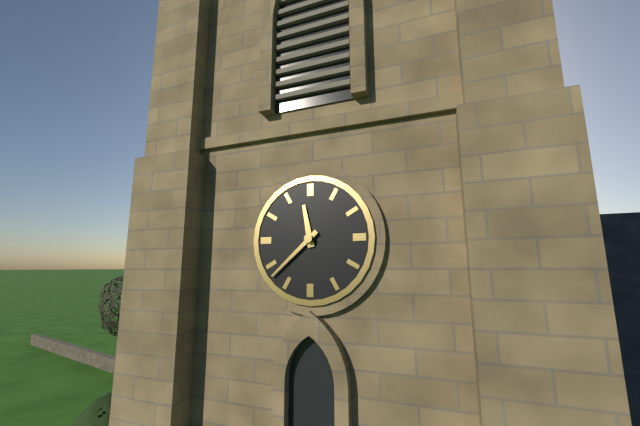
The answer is {"hour": 11, "minute": 38}
